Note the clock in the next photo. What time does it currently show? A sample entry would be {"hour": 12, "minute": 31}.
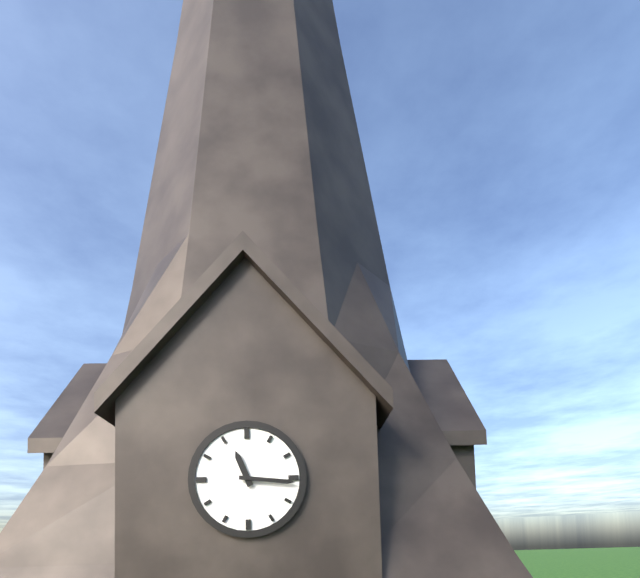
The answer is {"hour": 11, "minute": 16}
